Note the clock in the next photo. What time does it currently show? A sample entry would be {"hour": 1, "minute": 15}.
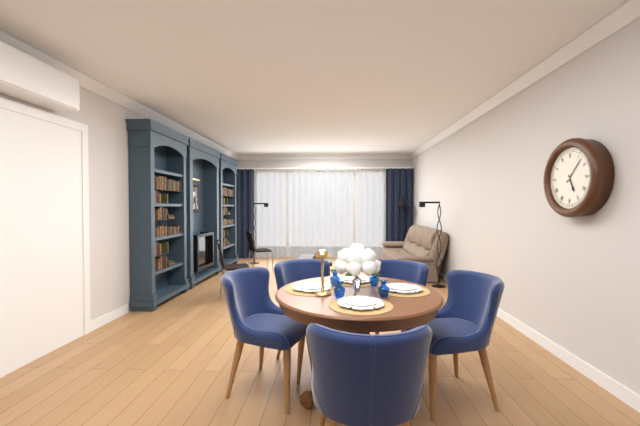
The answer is {"hour": 5, "minute": 7}
